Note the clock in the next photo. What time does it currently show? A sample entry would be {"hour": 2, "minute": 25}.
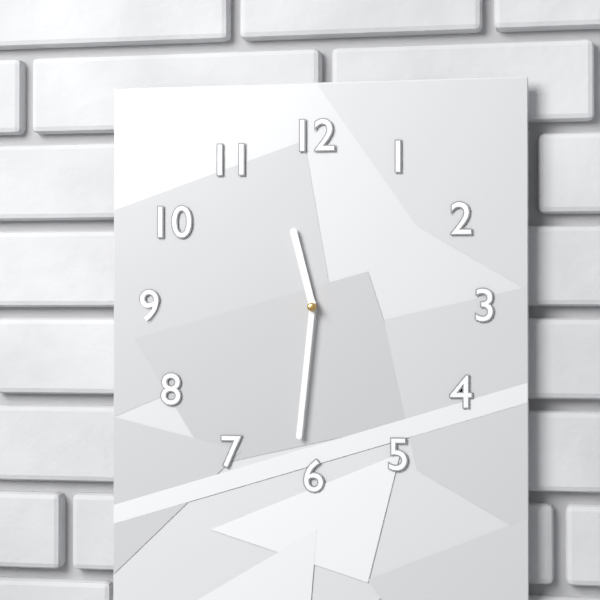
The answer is {"hour": 11, "minute": 31}
